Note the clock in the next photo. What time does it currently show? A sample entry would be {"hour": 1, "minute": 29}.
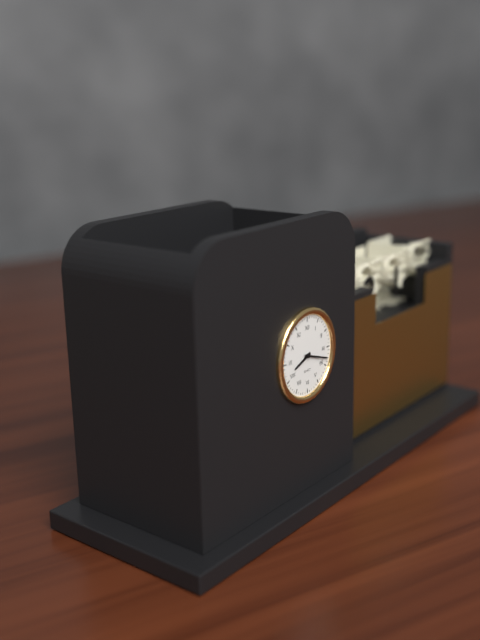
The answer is {"hour": 8, "minute": 18}
